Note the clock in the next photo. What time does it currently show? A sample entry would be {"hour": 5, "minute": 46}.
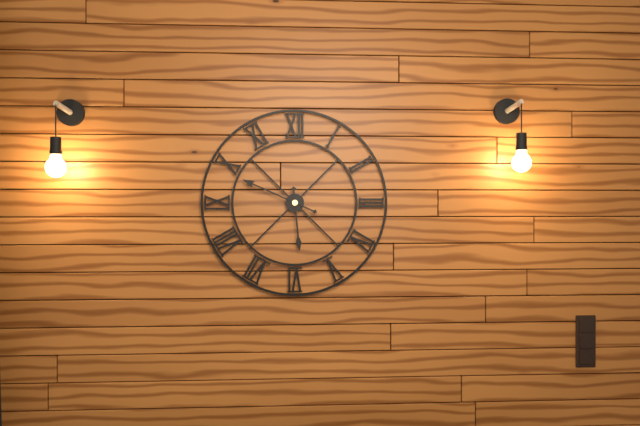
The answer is {"hour": 5, "minute": 49}
